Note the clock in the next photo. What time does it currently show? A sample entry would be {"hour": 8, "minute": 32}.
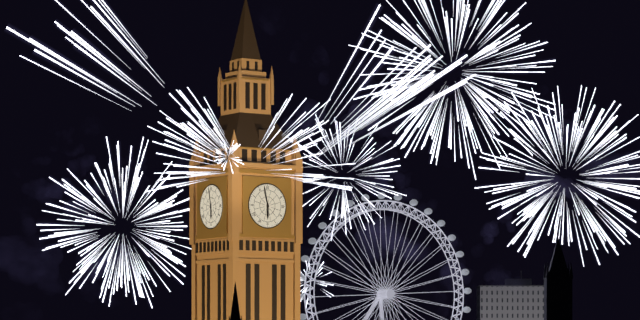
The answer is {"hour": 5, "minute": 58}
